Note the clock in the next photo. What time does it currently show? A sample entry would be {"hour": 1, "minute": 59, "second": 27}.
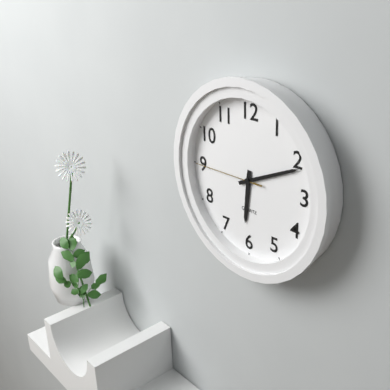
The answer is {"hour": 6, "minute": 11, "second": 45}
